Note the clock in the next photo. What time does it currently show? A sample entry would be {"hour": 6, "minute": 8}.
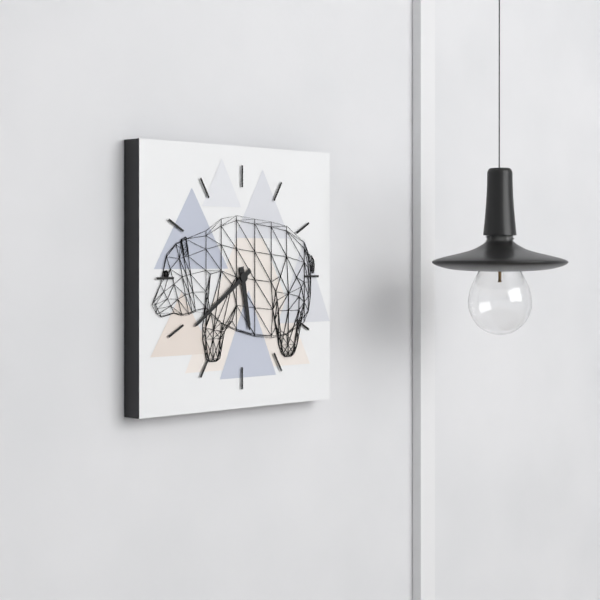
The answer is {"hour": 5, "minute": 39}
